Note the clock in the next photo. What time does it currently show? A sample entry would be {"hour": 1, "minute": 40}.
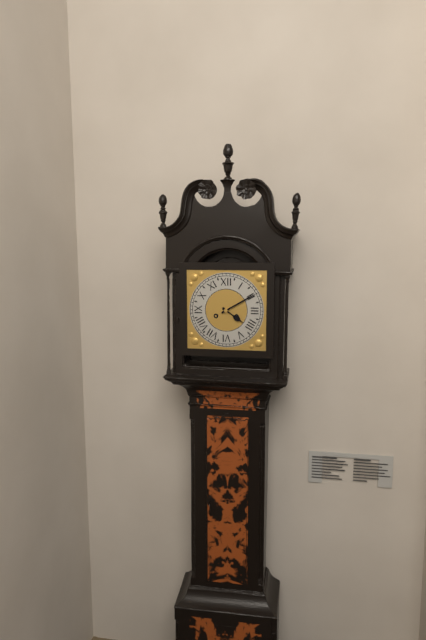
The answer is {"hour": 4, "minute": 10}
